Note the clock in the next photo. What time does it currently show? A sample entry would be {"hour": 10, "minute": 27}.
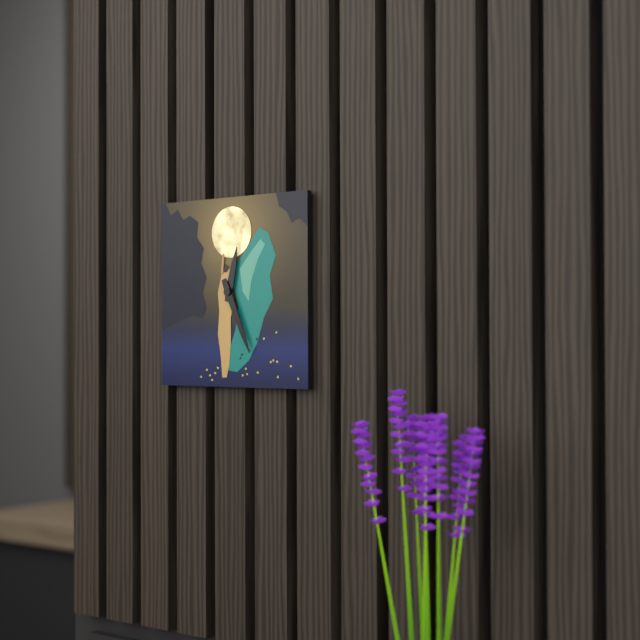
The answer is {"hour": 12, "minute": 26}
